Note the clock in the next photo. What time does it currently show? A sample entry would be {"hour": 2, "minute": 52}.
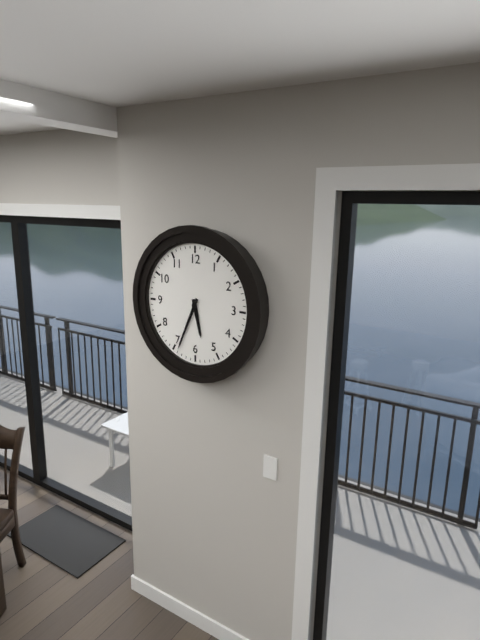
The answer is {"hour": 5, "minute": 34}
